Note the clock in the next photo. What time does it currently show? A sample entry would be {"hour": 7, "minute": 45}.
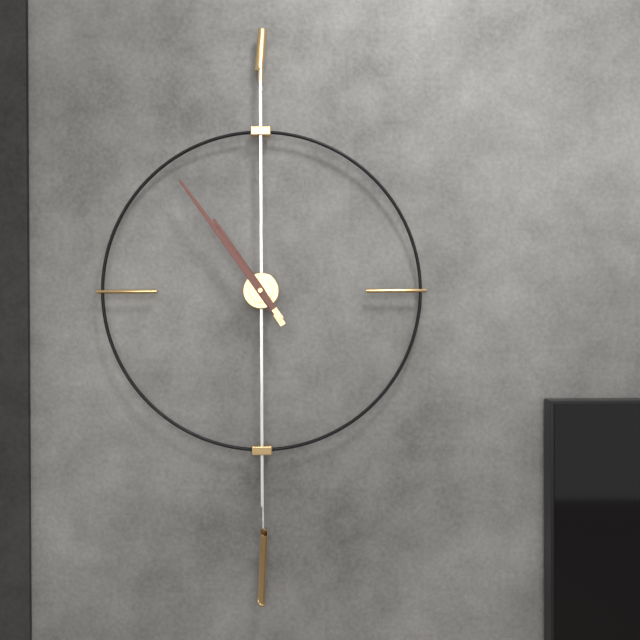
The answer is {"hour": 10, "minute": 54}
